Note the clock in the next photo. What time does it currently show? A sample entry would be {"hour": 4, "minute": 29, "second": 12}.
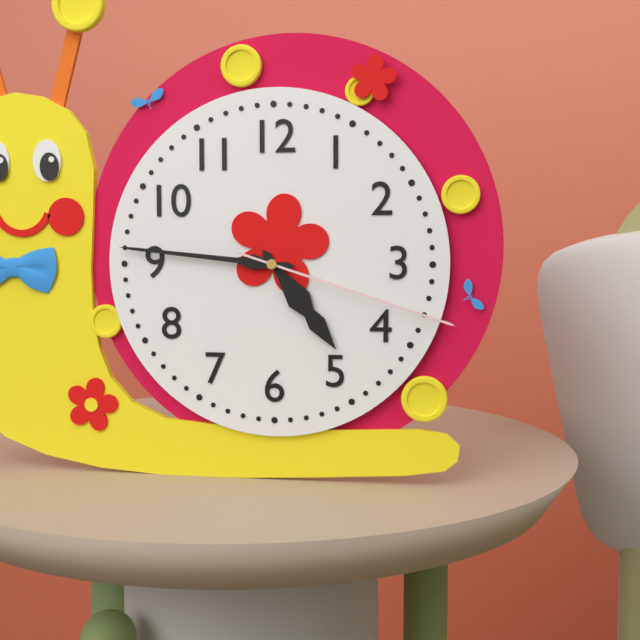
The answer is {"hour": 4, "minute": 46, "second": 18}
